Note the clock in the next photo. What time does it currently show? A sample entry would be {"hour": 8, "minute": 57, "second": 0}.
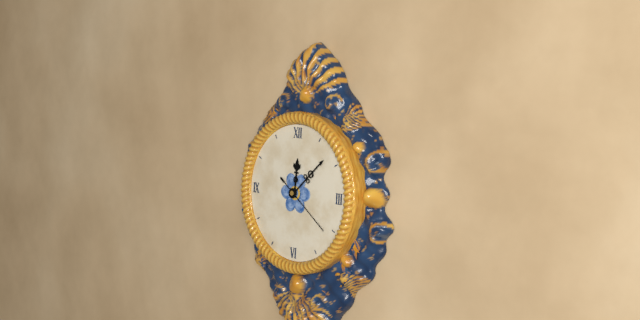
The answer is {"hour": 12, "minute": 8, "second": 21}
